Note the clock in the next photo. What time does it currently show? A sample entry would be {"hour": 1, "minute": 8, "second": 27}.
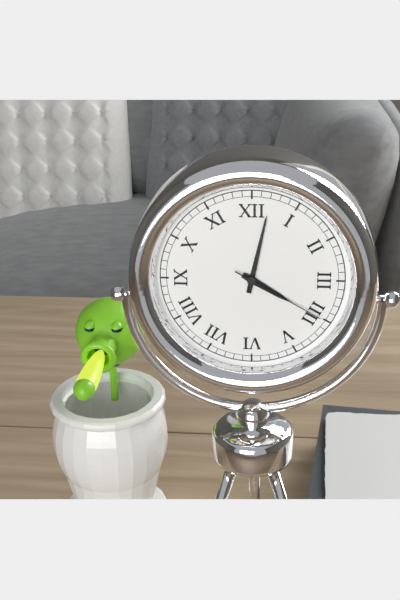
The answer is {"hour": 4, "minute": 2, "second": 20}
